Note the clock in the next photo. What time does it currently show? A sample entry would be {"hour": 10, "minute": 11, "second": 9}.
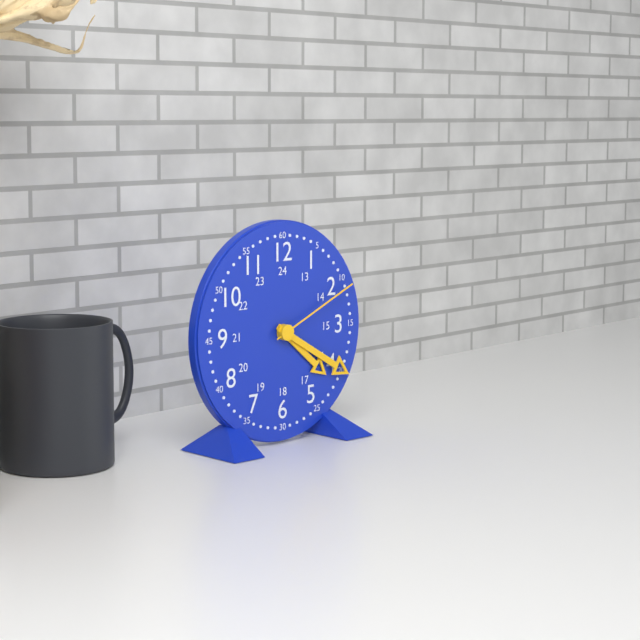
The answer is {"hour": 4, "minute": 20, "second": 11}
